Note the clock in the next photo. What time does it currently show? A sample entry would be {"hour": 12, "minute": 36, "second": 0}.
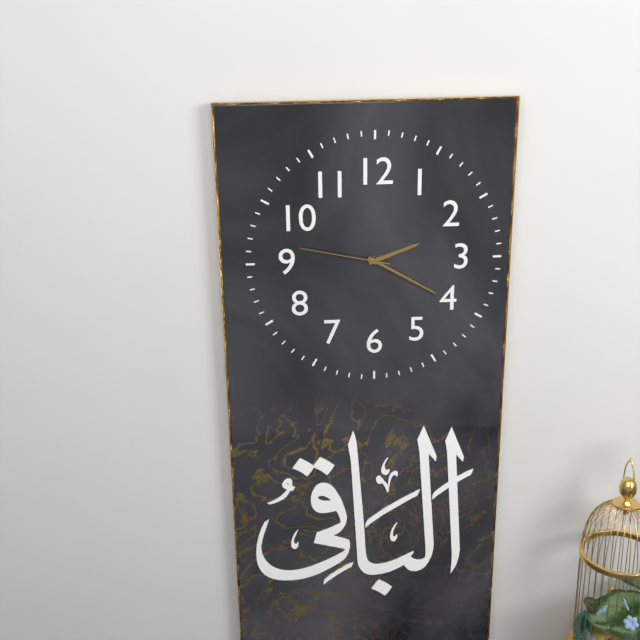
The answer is {"hour": 2, "minute": 20, "second": 47}
